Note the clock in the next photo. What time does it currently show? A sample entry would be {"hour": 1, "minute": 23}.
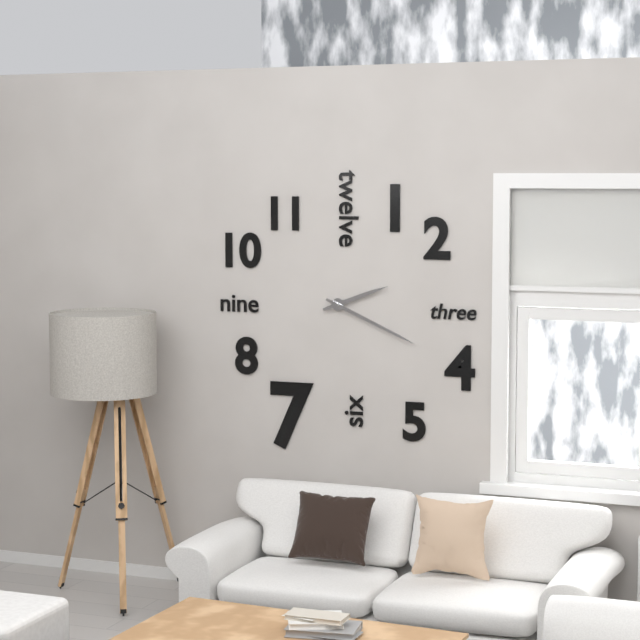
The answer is {"hour": 2, "minute": 19}
